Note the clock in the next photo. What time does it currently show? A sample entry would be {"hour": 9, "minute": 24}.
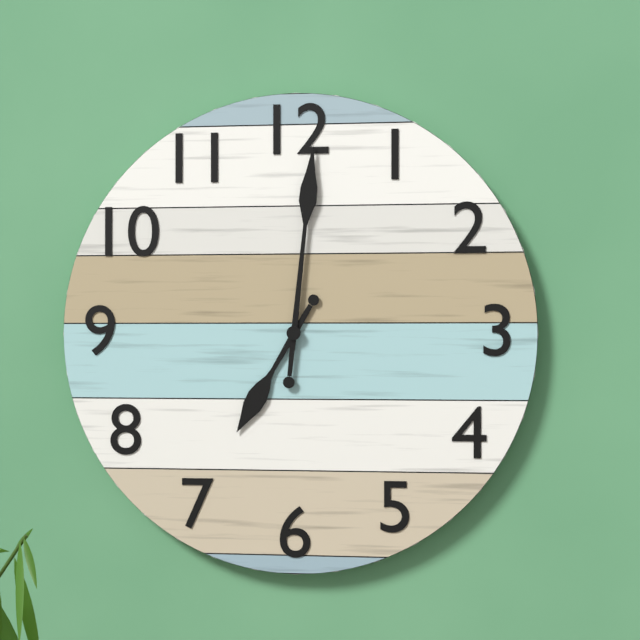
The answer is {"hour": 7, "minute": 1}
